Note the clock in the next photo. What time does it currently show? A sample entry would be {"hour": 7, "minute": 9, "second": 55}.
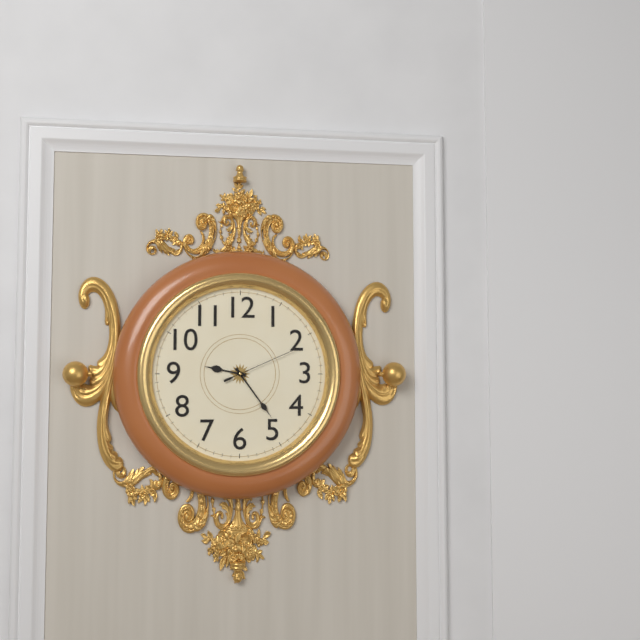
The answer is {"hour": 9, "minute": 24, "second": 11}
